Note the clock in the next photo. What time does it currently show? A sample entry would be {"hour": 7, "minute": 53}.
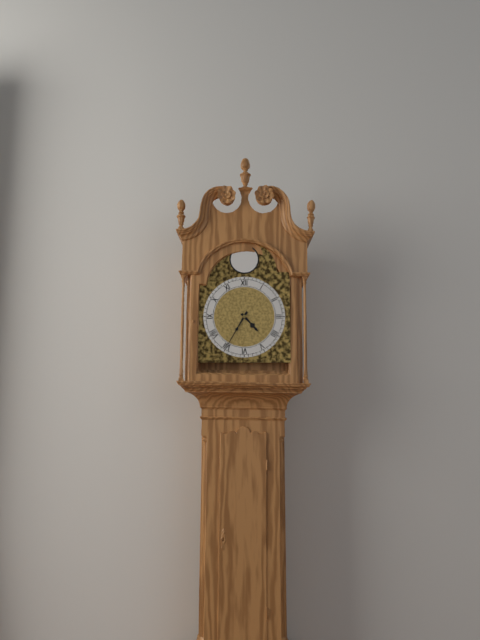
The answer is {"hour": 4, "minute": 35}
